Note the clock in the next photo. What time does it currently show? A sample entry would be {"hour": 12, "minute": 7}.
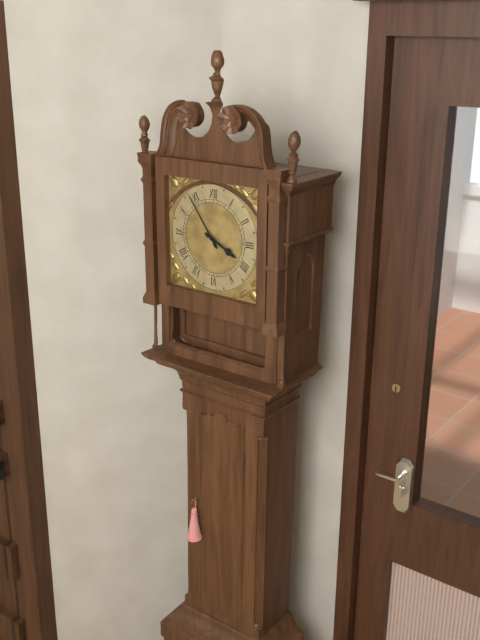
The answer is {"hour": 3, "minute": 54}
